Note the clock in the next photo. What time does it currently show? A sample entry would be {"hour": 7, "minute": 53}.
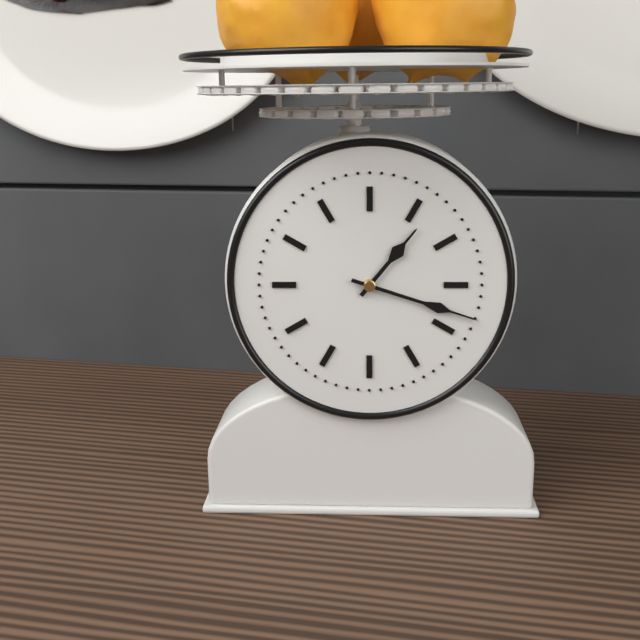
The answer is {"hour": 1, "minute": 18}
